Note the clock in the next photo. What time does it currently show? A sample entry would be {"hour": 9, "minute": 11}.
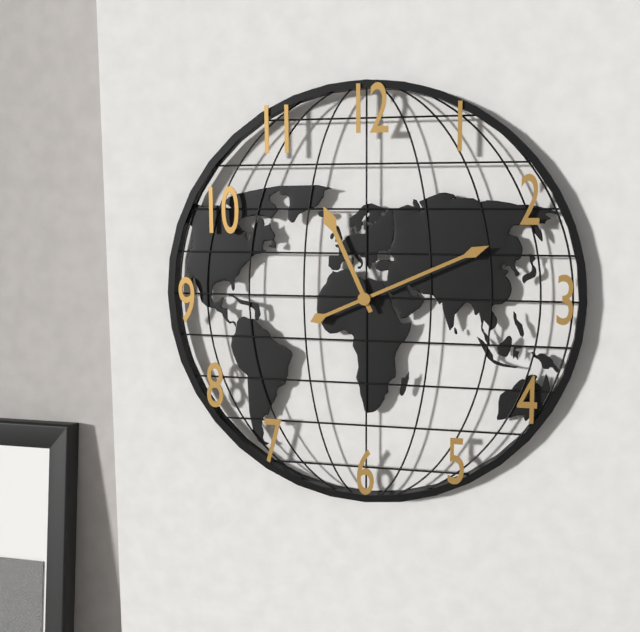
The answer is {"hour": 11, "minute": 11}
